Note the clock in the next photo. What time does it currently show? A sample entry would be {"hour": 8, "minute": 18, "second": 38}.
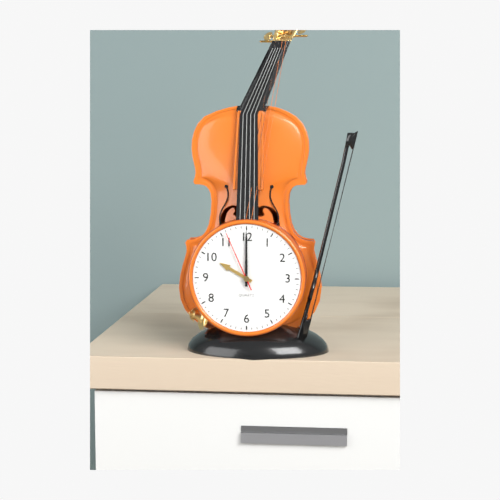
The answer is {"hour": 10, "minute": 0, "second": 56}
